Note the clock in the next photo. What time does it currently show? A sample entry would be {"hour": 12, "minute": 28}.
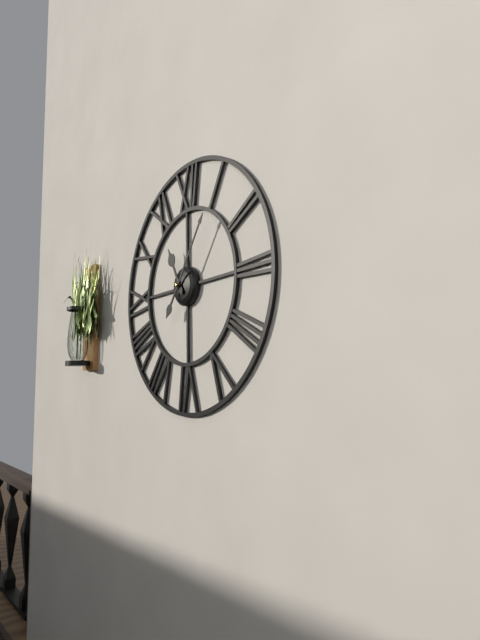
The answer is {"hour": 11, "minute": 6}
